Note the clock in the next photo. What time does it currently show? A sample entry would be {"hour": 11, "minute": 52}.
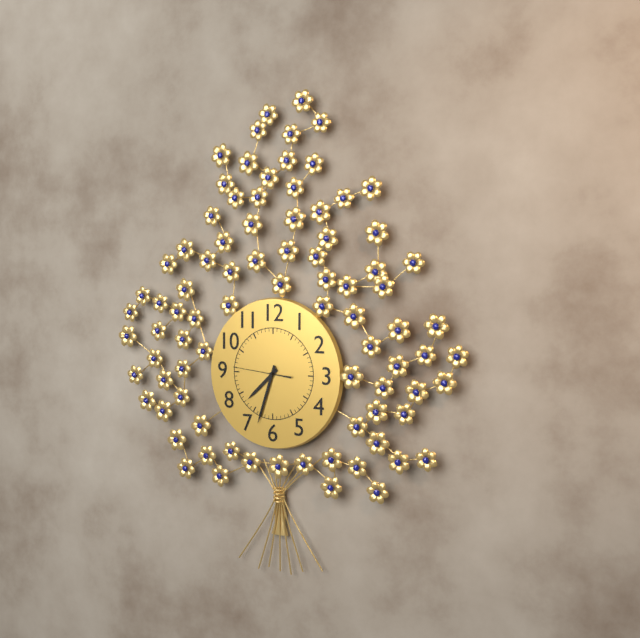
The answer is {"hour": 7, "minute": 33}
